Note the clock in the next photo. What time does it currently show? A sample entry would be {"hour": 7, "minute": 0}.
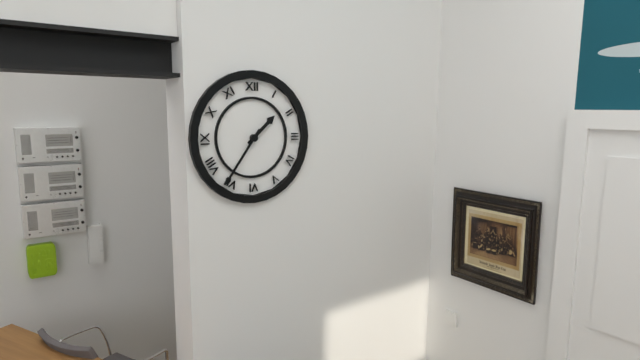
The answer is {"hour": 1, "minute": 36}
